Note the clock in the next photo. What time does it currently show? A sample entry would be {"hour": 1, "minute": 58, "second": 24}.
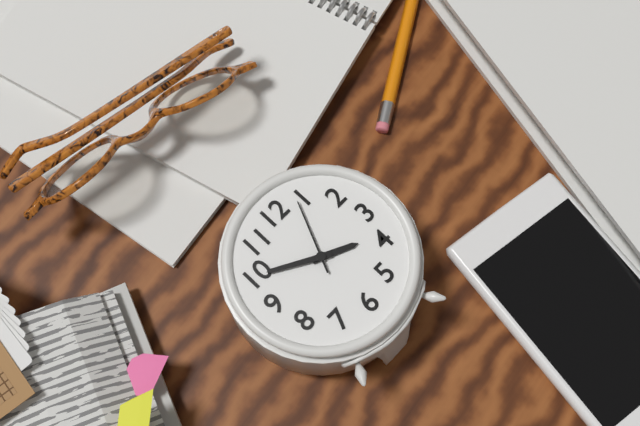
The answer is {"hour": 3, "minute": 50, "second": 4}
